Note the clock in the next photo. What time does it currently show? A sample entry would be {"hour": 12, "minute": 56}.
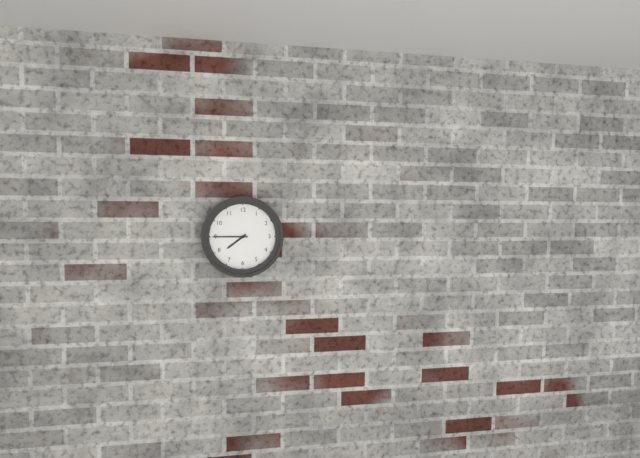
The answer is {"hour": 7, "minute": 45}
